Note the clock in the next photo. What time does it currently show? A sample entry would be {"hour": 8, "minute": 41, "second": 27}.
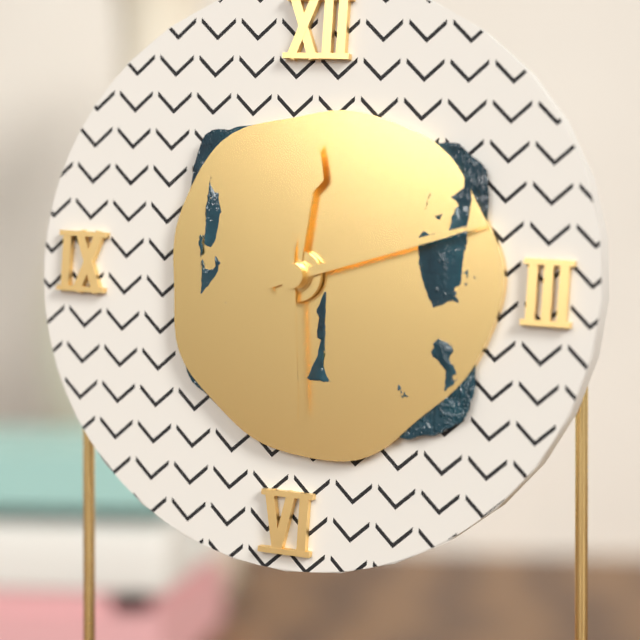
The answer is {"hour": 12, "minute": 12, "second": 29}
